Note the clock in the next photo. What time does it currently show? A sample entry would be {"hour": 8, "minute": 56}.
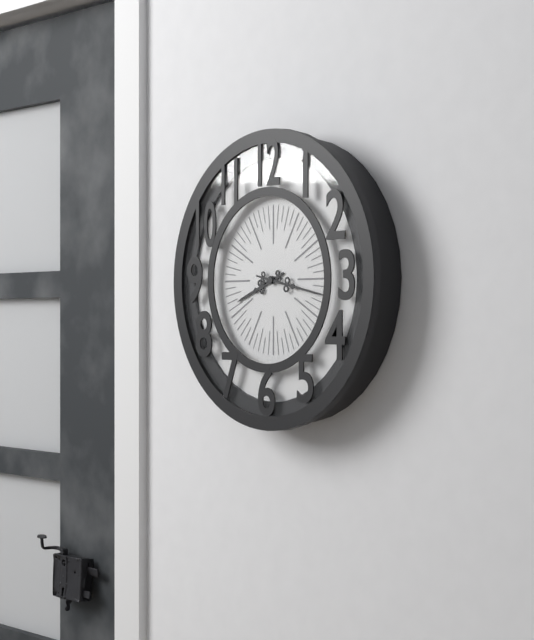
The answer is {"hour": 8, "minute": 17}
